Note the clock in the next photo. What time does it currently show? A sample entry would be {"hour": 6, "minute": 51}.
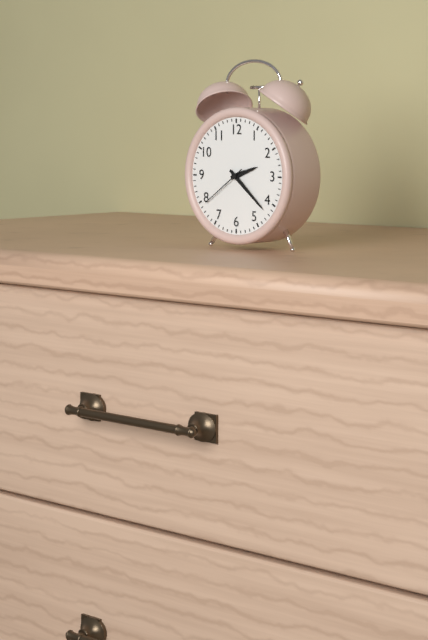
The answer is {"hour": 2, "minute": 22}
